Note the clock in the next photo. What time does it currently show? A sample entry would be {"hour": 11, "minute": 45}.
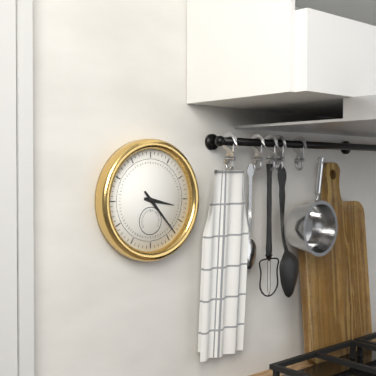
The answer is {"hour": 3, "minute": 23}
